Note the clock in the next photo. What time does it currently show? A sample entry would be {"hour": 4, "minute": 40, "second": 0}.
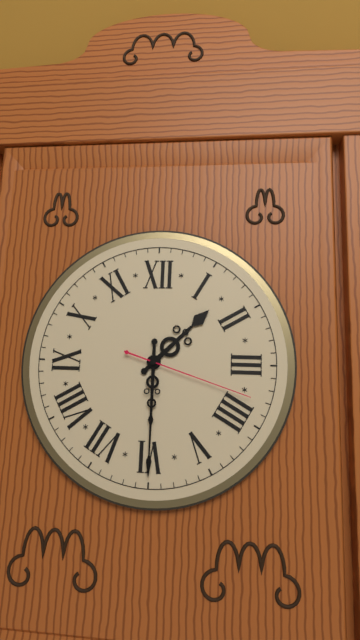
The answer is {"hour": 1, "minute": 30, "second": 18}
